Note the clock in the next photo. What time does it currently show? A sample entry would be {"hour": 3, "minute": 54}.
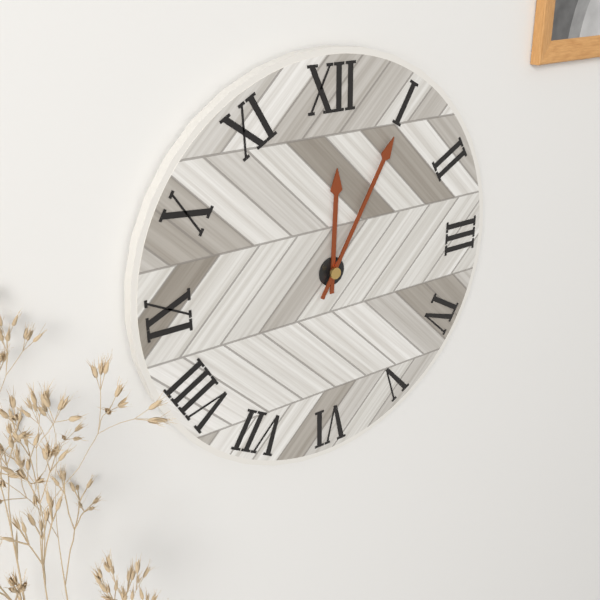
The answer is {"hour": 12, "minute": 5}
